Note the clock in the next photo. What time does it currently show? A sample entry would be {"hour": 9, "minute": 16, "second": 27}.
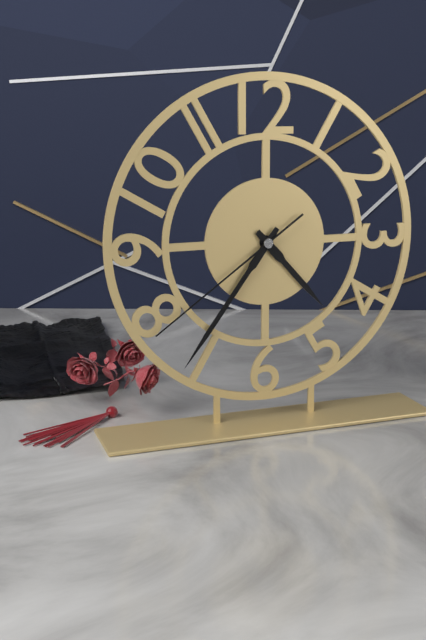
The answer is {"hour": 4, "minute": 36, "second": 39}
